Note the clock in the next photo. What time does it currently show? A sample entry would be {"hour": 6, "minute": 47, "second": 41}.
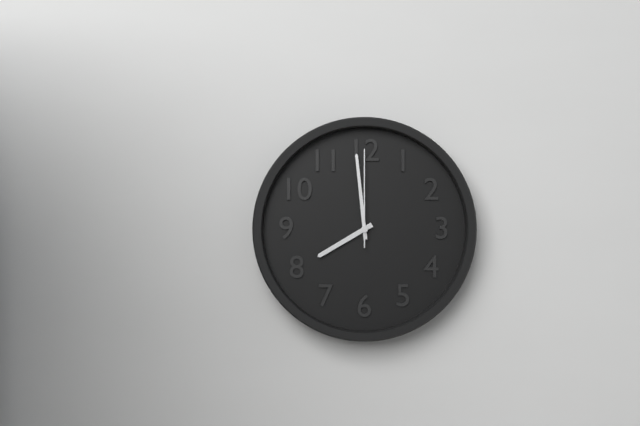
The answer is {"hour": 7, "minute": 59, "second": 0}
